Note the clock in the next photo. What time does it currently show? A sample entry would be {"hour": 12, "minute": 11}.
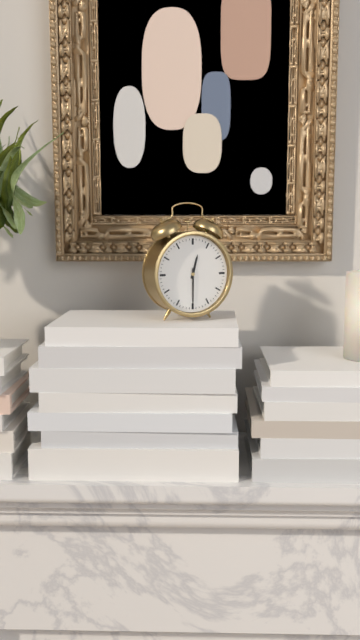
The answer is {"hour": 12, "minute": 30}
